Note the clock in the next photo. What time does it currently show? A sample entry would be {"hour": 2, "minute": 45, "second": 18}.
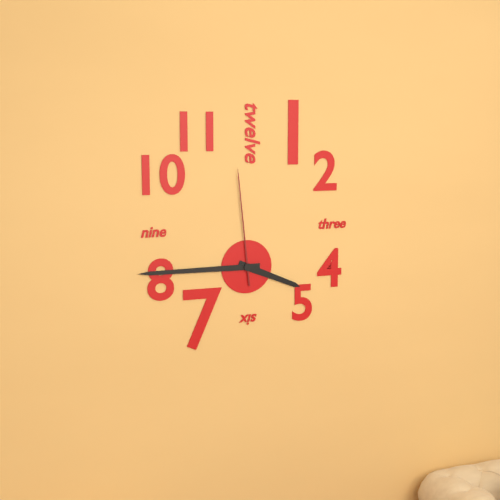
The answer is {"hour": 3, "minute": 45, "second": 59}
